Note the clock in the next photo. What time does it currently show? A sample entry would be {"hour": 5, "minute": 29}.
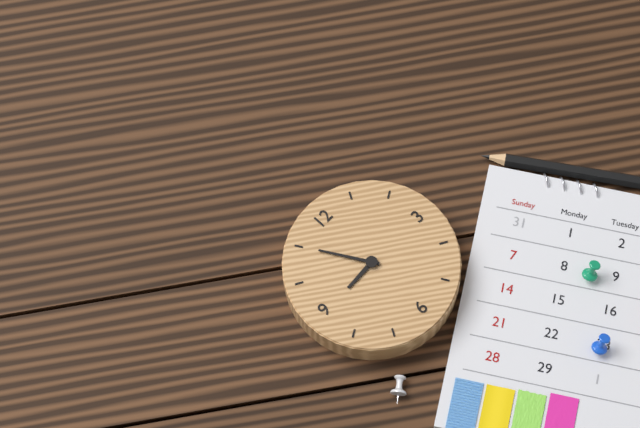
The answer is {"hour": 8, "minute": 55}
